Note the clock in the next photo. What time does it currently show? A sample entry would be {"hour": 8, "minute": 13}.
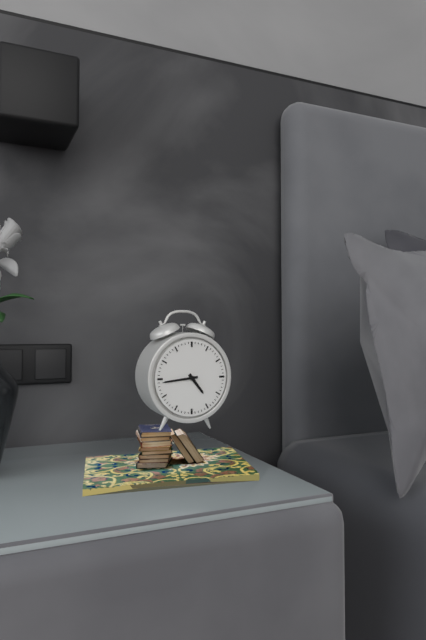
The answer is {"hour": 4, "minute": 44}
